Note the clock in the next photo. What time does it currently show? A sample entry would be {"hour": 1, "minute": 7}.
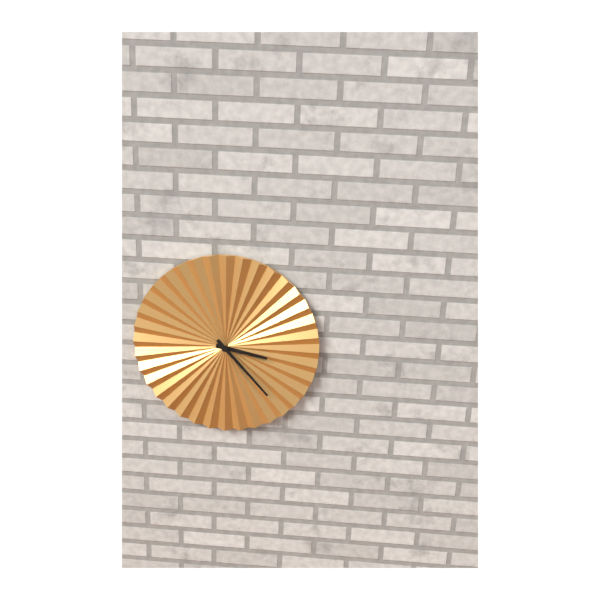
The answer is {"hour": 3, "minute": 23}
